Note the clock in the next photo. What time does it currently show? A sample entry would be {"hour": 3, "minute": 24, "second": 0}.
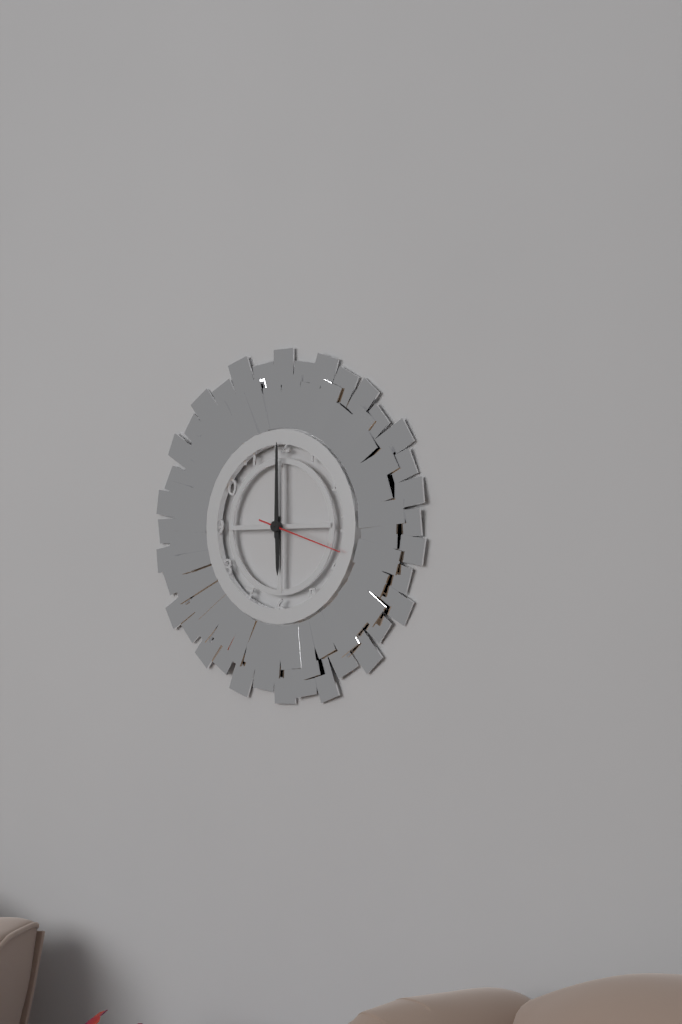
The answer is {"hour": 6, "minute": 0, "second": 18}
